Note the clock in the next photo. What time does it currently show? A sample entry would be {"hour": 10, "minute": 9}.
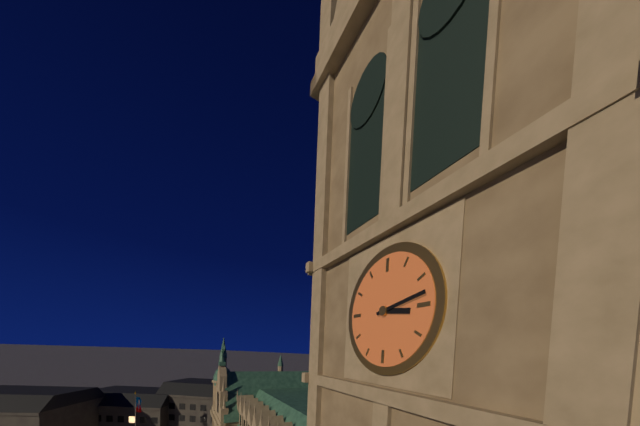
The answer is {"hour": 3, "minute": 13}
